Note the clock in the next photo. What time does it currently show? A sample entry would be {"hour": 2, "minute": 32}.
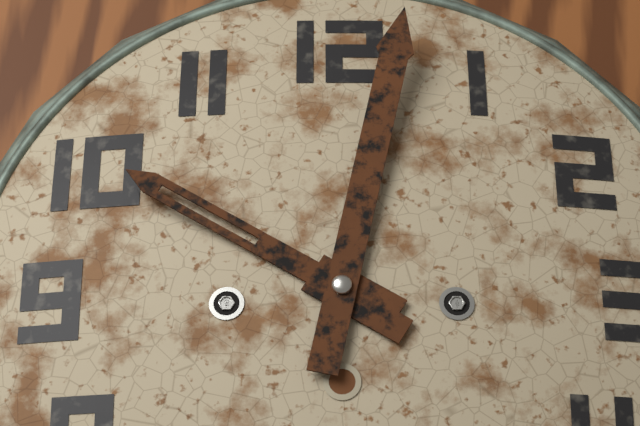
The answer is {"hour": 10, "minute": 2}
